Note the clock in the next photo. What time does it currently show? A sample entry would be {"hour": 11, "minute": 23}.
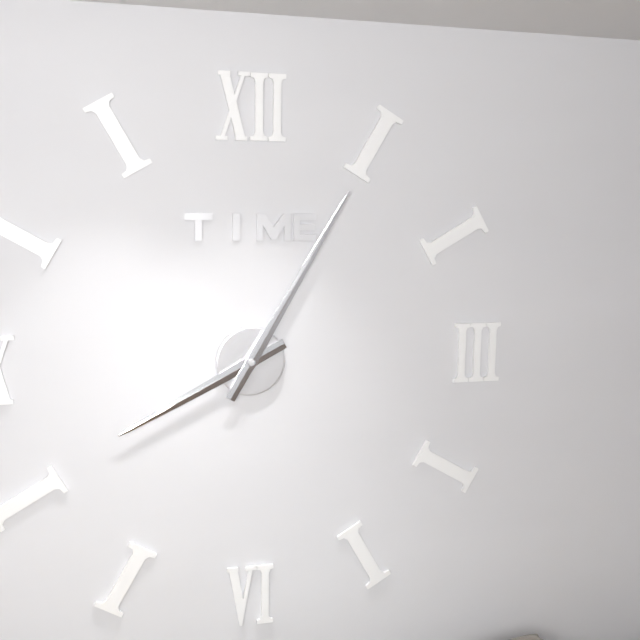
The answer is {"hour": 8, "minute": 5}
